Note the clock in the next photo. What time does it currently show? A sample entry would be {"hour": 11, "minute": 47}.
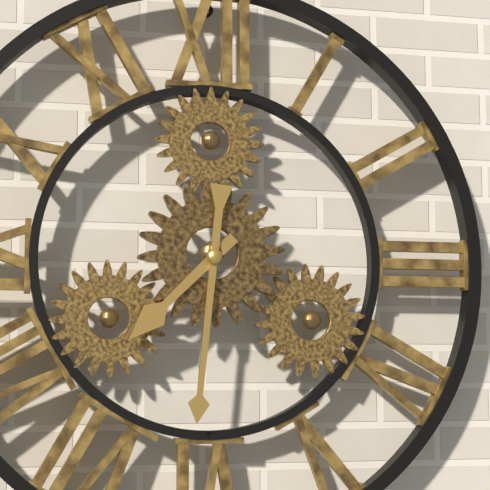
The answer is {"hour": 7, "minute": 31}
